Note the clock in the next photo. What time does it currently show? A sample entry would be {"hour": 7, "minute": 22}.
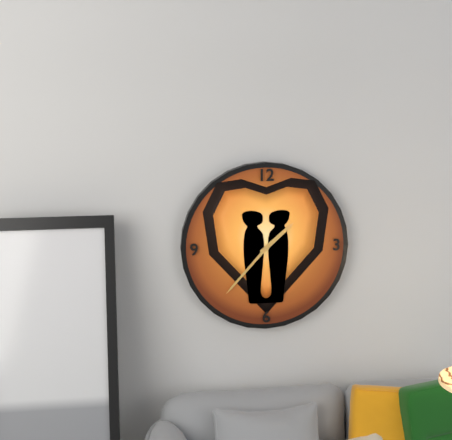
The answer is {"hour": 1, "minute": 37}
